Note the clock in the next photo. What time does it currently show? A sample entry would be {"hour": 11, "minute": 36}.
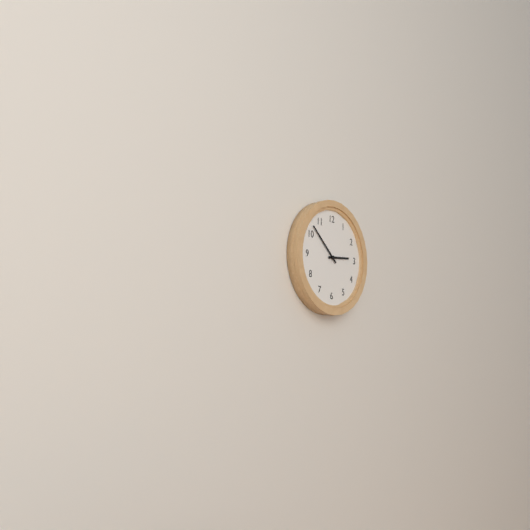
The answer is {"hour": 2, "minute": 52}
